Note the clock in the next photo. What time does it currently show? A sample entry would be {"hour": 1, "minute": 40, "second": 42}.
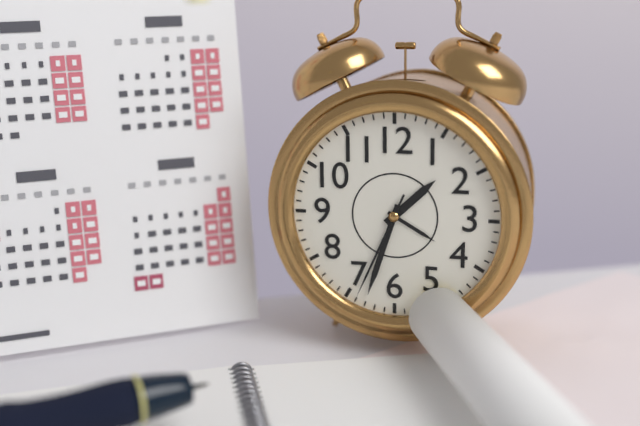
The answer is {"hour": 1, "minute": 33, "second": 34}
